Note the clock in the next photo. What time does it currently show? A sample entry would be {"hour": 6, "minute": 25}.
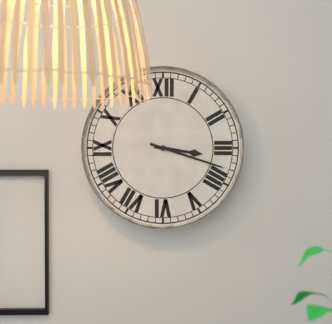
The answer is {"hour": 3, "minute": 18}
